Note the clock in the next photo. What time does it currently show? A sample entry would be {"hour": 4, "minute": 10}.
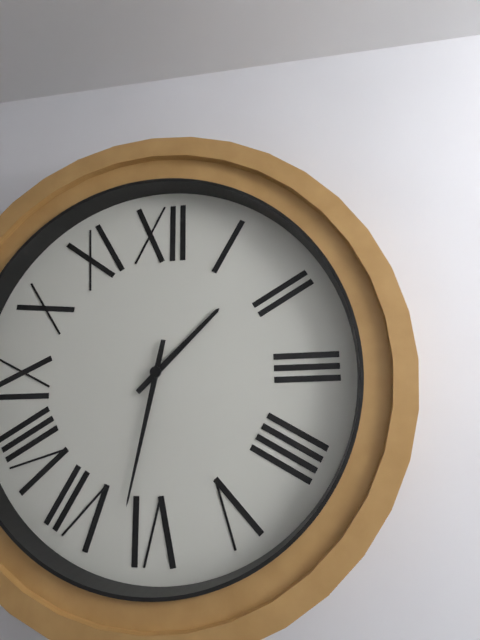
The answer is {"hour": 1, "minute": 32}
